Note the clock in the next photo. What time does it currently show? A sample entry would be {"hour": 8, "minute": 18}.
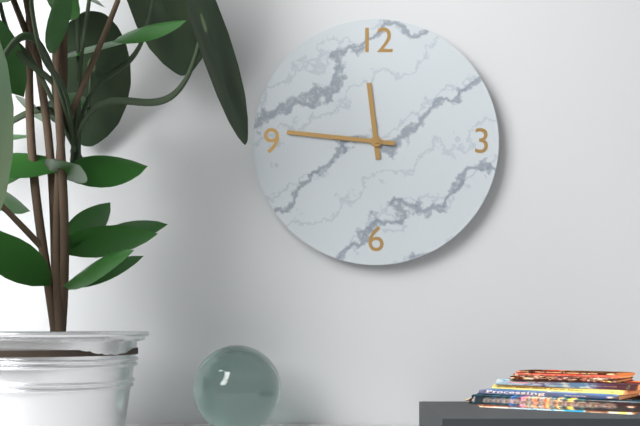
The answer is {"hour": 11, "minute": 46}
